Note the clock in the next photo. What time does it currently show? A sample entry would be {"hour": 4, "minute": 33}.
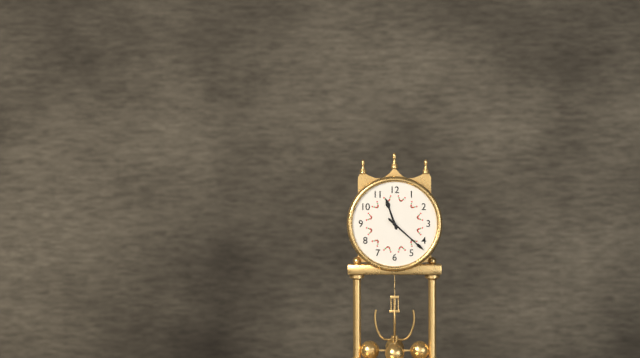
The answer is {"hour": 11, "minute": 22}
